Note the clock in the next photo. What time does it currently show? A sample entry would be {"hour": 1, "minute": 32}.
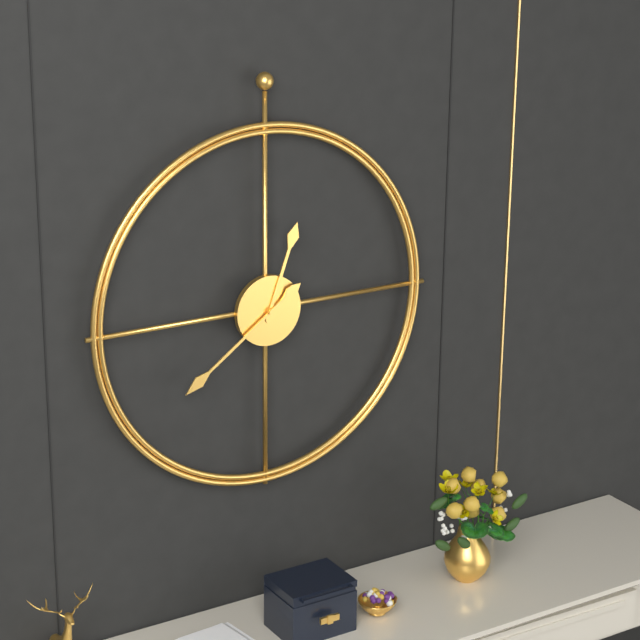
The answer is {"hour": 12, "minute": 39}
